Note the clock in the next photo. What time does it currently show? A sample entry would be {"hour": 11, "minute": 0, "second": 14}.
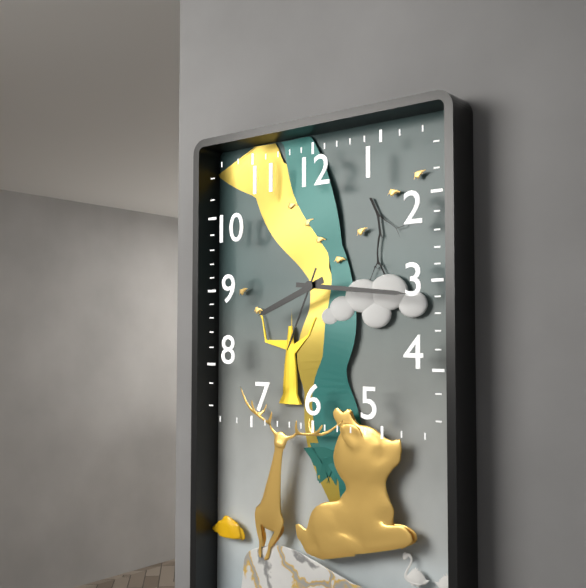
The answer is {"hour": 8, "minute": 16, "second": 34}
